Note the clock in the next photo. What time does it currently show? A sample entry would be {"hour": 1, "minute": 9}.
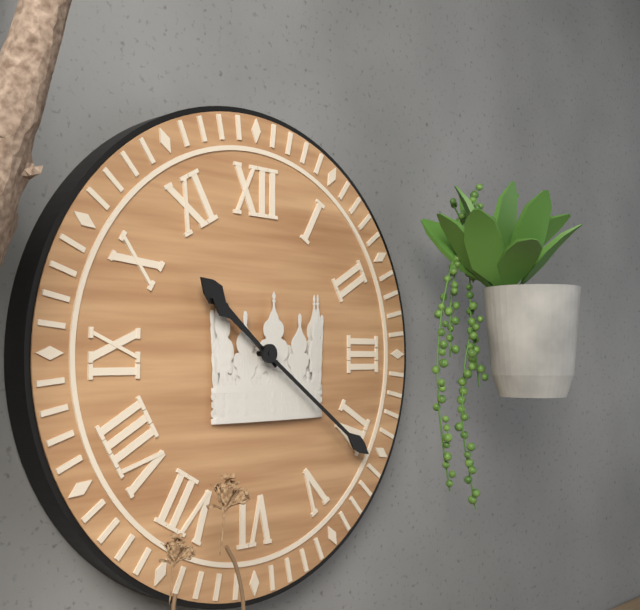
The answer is {"hour": 10, "minute": 21}
